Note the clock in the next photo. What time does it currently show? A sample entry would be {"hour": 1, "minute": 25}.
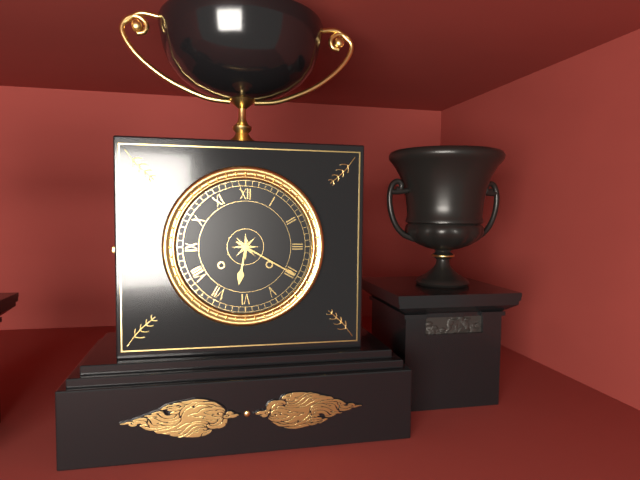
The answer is {"hour": 6, "minute": 20}
